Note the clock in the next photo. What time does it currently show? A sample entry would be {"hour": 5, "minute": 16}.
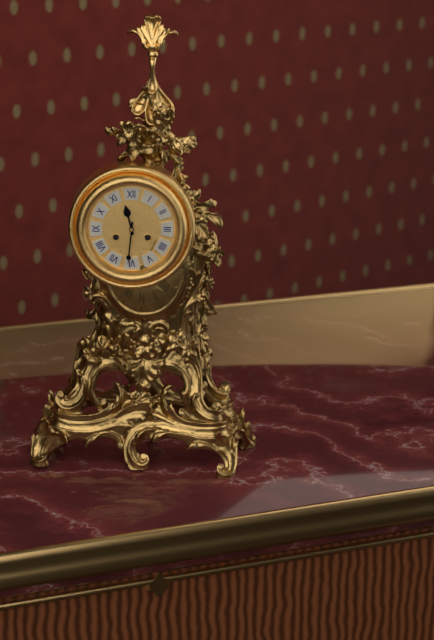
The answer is {"hour": 11, "minute": 31}
